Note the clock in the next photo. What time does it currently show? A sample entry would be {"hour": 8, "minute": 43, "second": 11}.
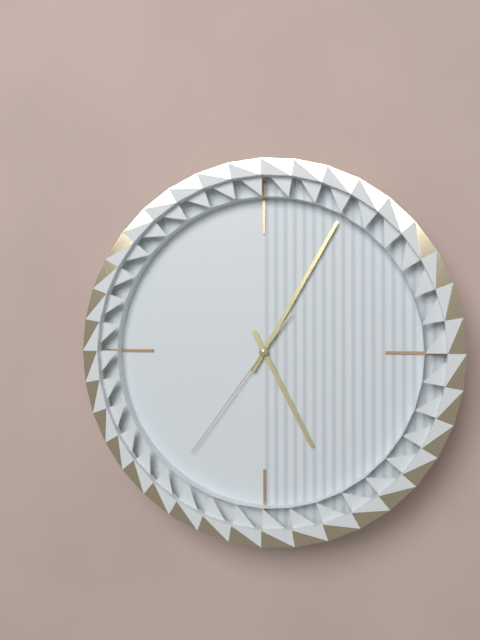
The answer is {"hour": 5, "minute": 5, "second": 36}
